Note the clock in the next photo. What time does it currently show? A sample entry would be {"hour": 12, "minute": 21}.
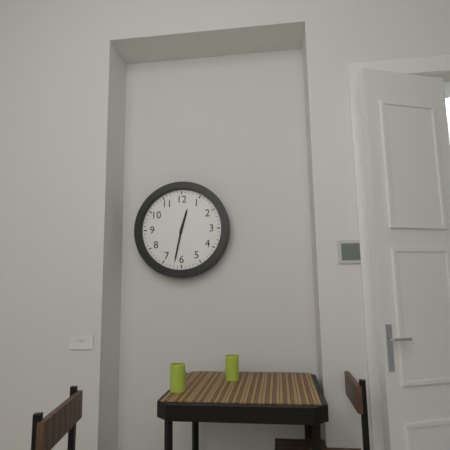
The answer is {"hour": 12, "minute": 32}
